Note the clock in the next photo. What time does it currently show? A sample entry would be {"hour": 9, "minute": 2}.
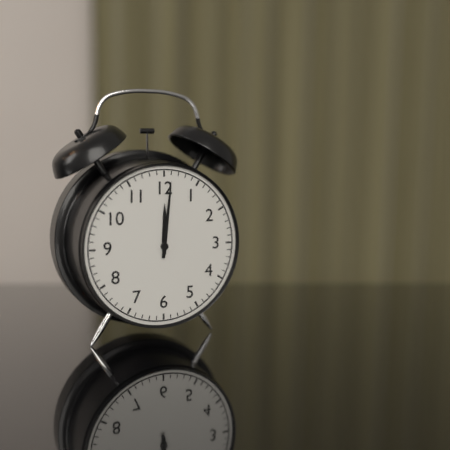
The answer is {"hour": 12, "minute": 1}
